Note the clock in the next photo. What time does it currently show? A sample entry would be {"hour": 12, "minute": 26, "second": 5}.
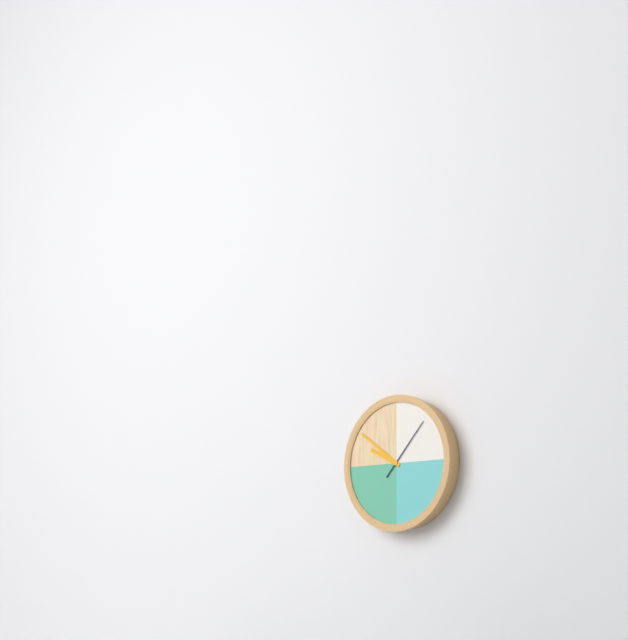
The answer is {"hour": 9, "minute": 51, "second": 7}
